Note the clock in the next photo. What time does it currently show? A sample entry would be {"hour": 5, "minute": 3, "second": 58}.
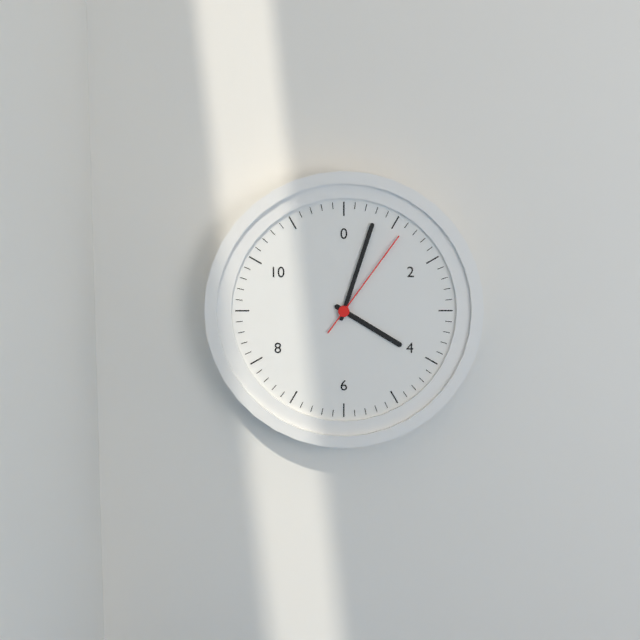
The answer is {"hour": 4, "minute": 3, "second": 6}
